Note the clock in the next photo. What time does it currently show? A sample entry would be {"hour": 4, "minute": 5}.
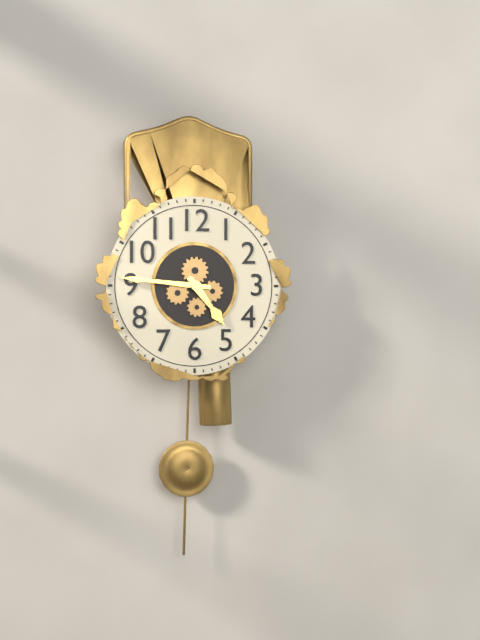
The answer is {"hour": 4, "minute": 46}
